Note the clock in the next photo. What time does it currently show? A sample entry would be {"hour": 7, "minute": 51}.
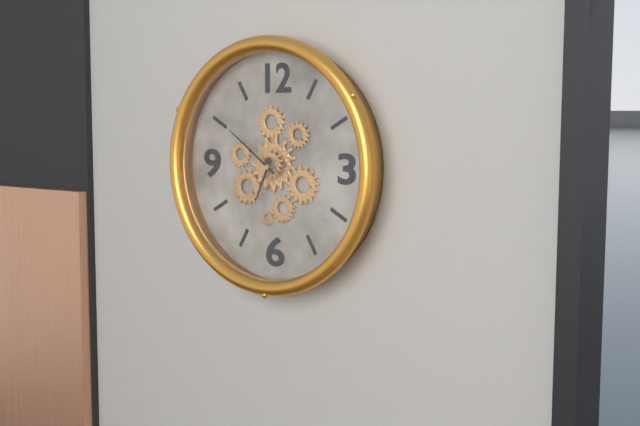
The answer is {"hour": 6, "minute": 51}
